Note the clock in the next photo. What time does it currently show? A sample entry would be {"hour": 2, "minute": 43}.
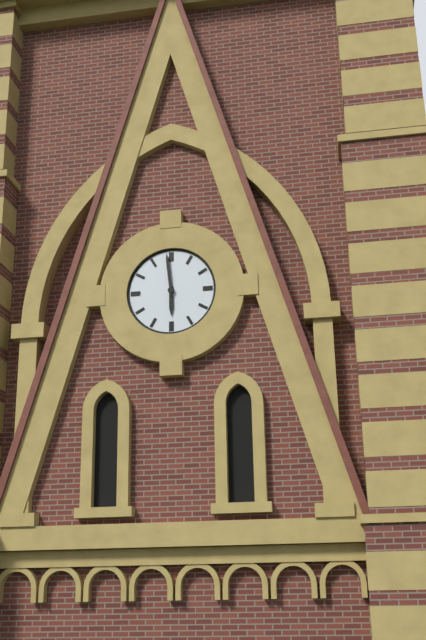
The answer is {"hour": 5, "minute": 59}
